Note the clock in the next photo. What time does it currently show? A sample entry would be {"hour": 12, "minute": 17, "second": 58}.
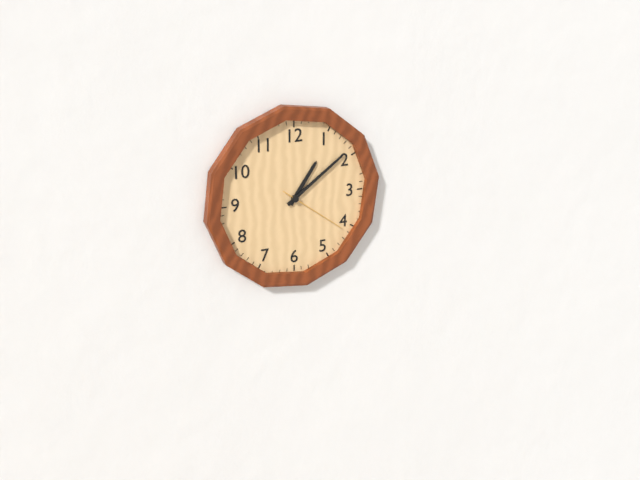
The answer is {"hour": 1, "minute": 9, "second": 21}
